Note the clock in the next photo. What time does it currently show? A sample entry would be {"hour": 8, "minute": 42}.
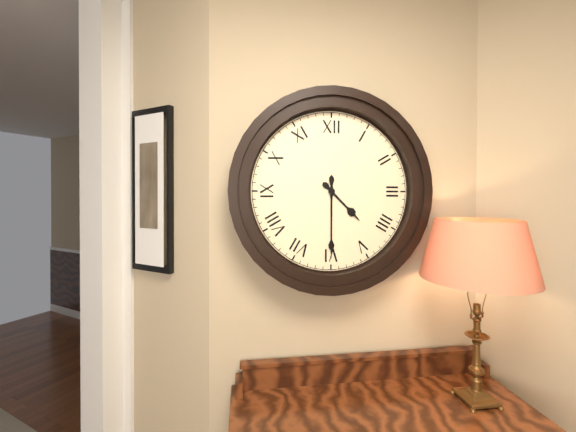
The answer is {"hour": 4, "minute": 30}
